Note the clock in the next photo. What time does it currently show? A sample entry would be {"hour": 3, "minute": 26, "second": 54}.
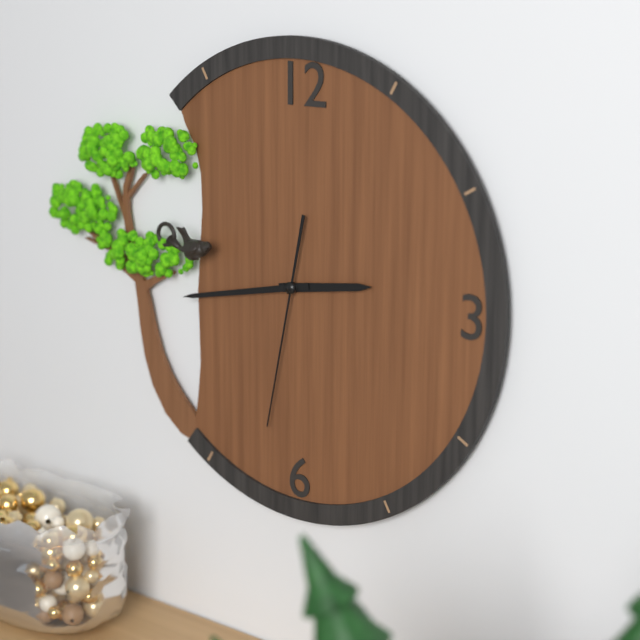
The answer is {"hour": 2, "minute": 43, "second": 32}
